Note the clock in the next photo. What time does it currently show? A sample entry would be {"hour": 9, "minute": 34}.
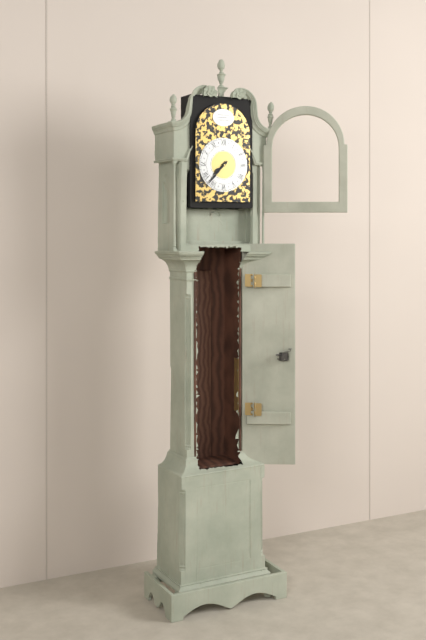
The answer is {"hour": 7, "minute": 37}
